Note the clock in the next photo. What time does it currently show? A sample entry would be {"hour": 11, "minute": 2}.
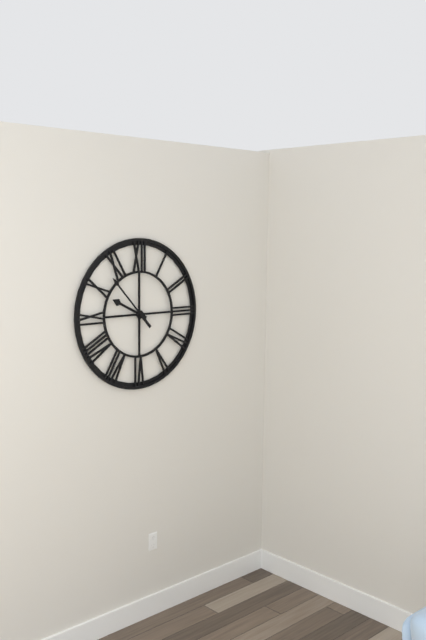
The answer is {"hour": 9, "minute": 53}
